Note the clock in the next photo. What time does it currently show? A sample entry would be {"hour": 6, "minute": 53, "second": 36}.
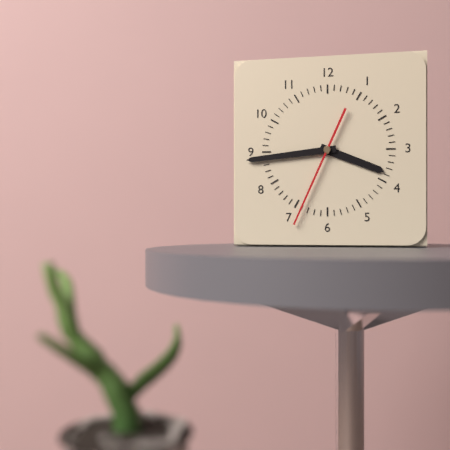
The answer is {"hour": 3, "minute": 44, "second": 34}
